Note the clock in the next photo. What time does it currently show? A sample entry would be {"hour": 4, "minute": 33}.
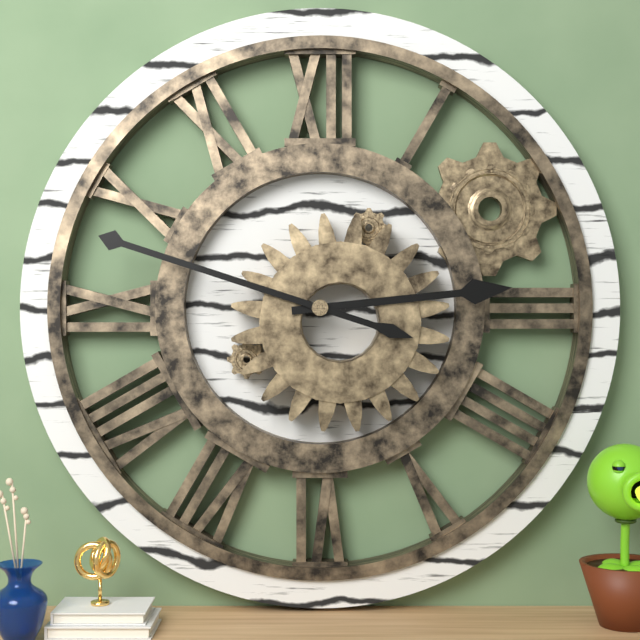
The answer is {"hour": 2, "minute": 48}
